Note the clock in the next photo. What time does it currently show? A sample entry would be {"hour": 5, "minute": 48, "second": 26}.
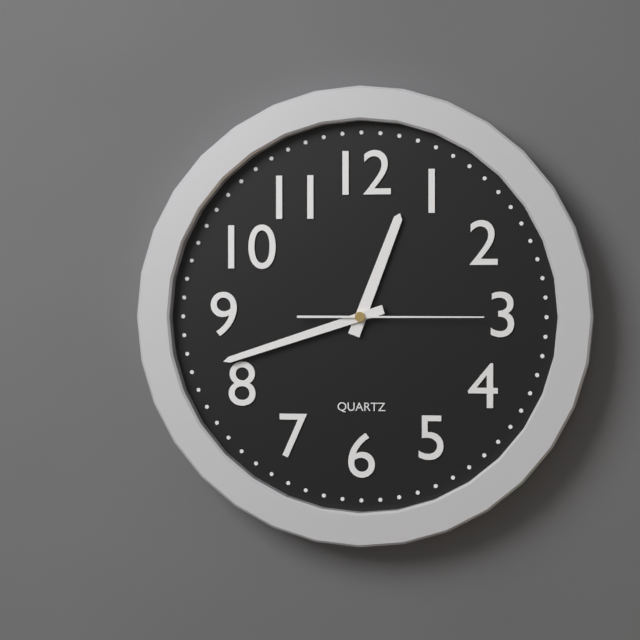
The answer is {"hour": 12, "minute": 42, "second": 15}
